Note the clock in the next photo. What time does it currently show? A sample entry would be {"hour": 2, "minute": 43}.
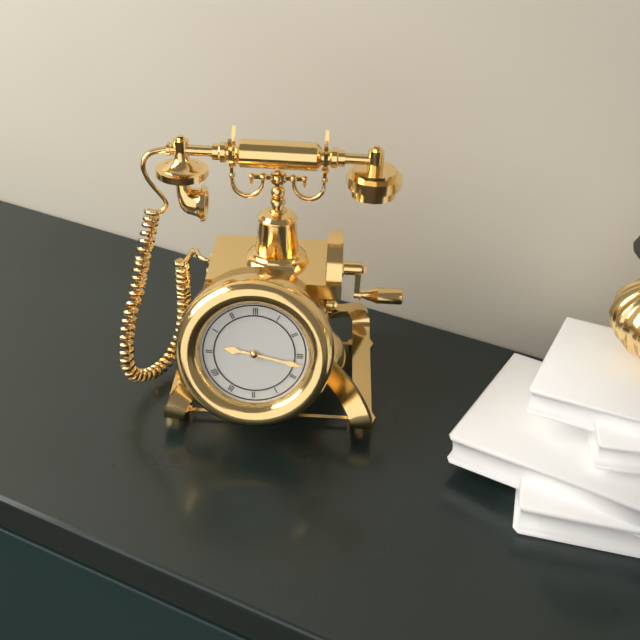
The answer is {"hour": 9, "minute": 17}
